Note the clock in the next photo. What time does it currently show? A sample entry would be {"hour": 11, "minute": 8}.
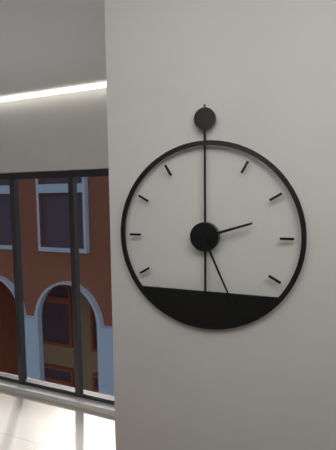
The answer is {"hour": 2, "minute": 26}
